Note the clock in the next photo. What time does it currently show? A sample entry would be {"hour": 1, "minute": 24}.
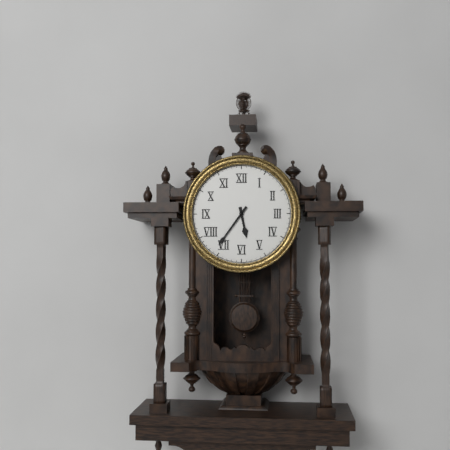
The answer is {"hour": 5, "minute": 36}
